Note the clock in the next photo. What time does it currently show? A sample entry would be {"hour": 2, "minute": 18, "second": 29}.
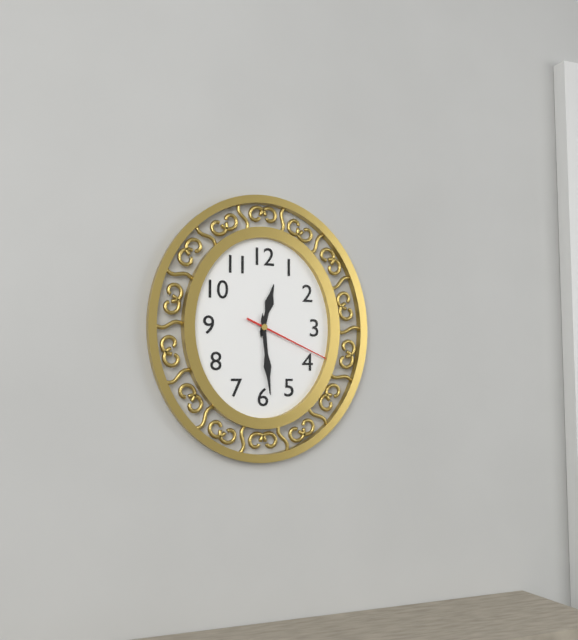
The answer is {"hour": 12, "minute": 29, "second": 19}
